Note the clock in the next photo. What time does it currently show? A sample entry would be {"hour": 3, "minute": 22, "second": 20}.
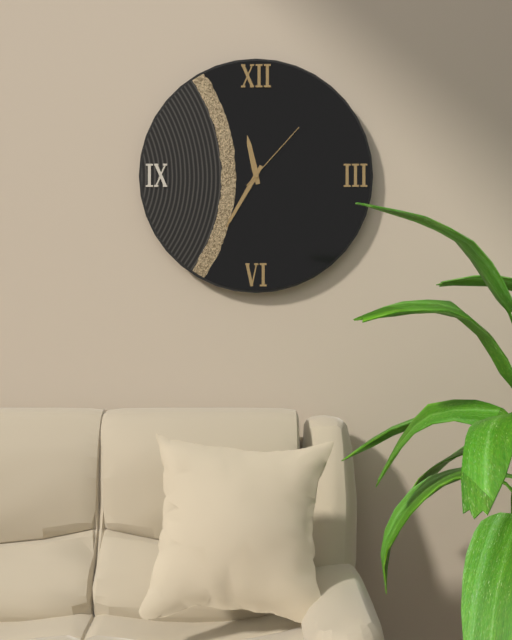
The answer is {"hour": 11, "minute": 35, "second": 7}
